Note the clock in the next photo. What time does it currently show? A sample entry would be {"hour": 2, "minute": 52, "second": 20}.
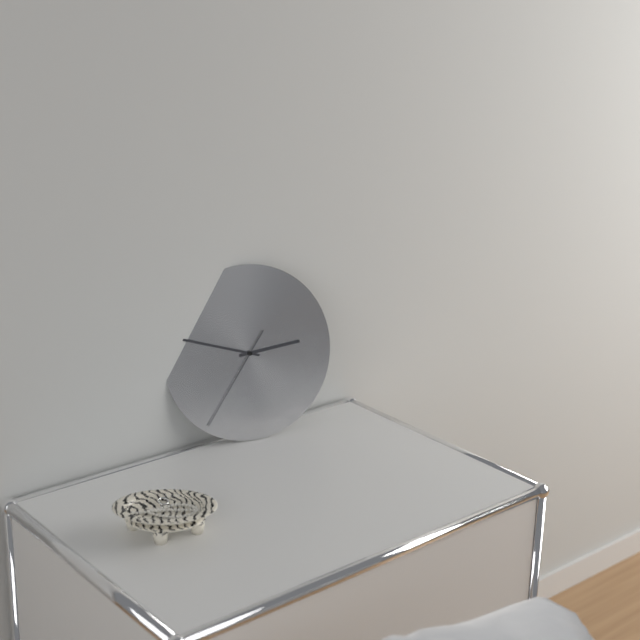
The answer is {"hour": 2, "minute": 48, "second": 36}
